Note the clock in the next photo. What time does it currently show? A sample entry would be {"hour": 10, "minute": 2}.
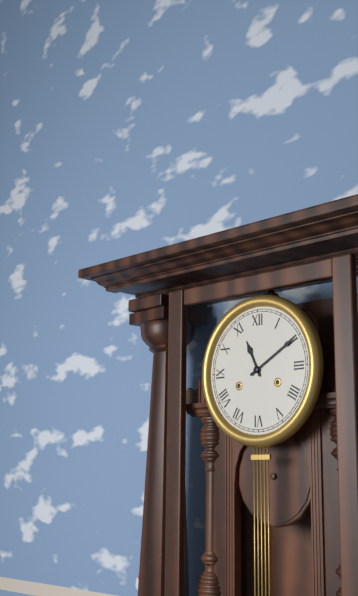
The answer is {"hour": 11, "minute": 10}
